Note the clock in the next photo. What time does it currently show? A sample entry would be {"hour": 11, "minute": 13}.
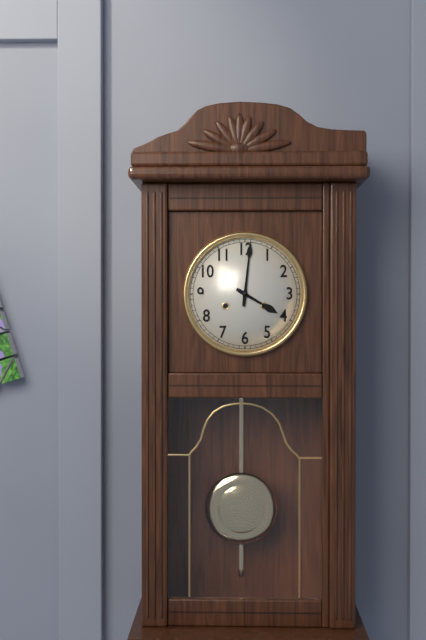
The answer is {"hour": 4, "minute": 1}
